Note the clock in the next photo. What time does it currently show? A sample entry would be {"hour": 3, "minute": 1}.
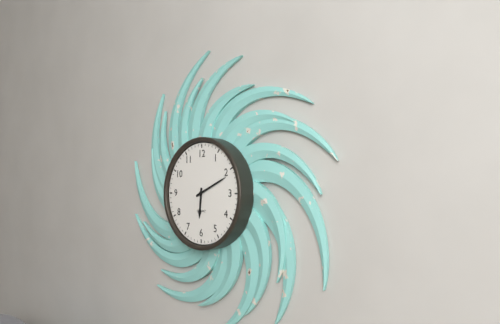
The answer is {"hour": 6, "minute": 11}
